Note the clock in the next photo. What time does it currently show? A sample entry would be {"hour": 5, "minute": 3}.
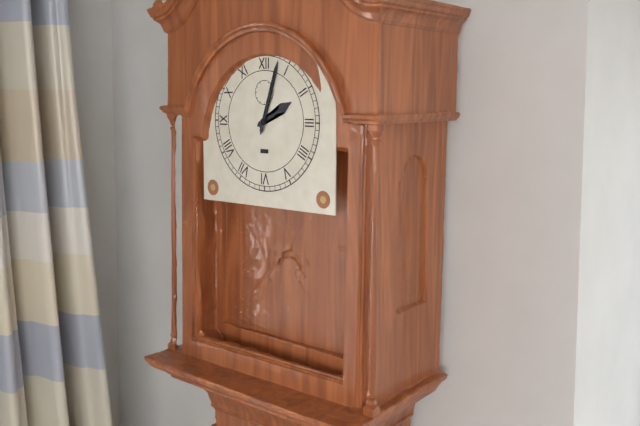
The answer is {"hour": 2, "minute": 3}
